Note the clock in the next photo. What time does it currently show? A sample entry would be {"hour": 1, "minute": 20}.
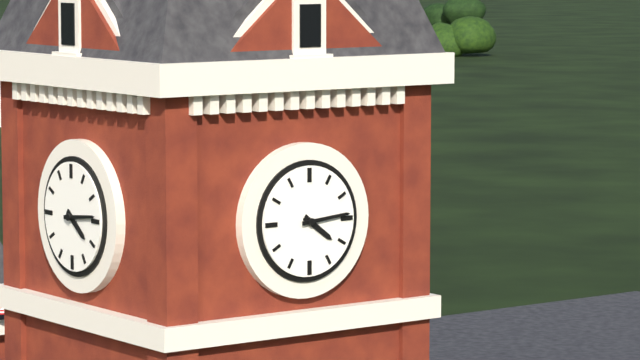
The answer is {"hour": 4, "minute": 14}
